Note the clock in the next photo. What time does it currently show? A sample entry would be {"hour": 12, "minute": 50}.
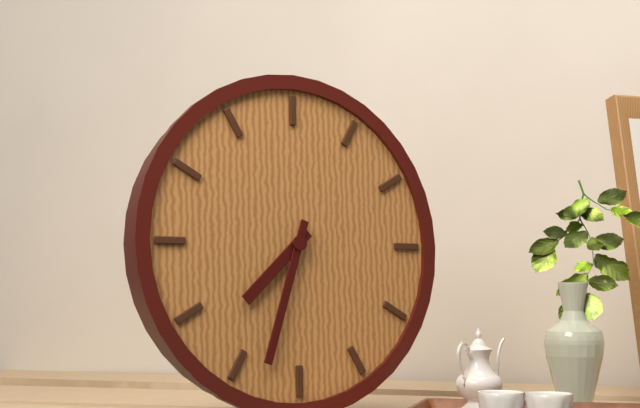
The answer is {"hour": 7, "minute": 33}
